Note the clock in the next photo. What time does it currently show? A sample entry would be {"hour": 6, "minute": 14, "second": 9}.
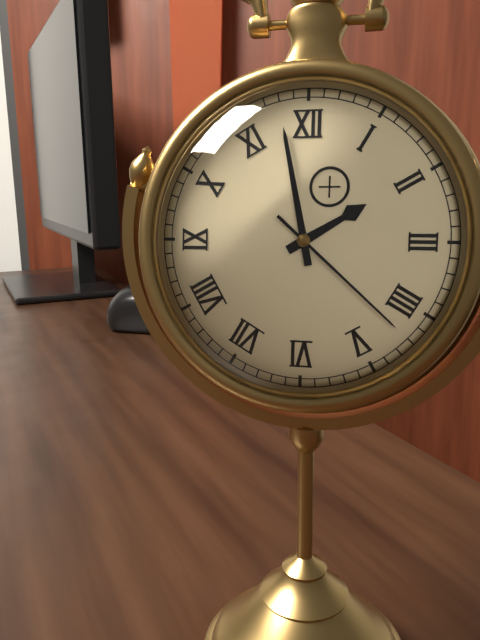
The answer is {"hour": 1, "minute": 58, "second": 22}
